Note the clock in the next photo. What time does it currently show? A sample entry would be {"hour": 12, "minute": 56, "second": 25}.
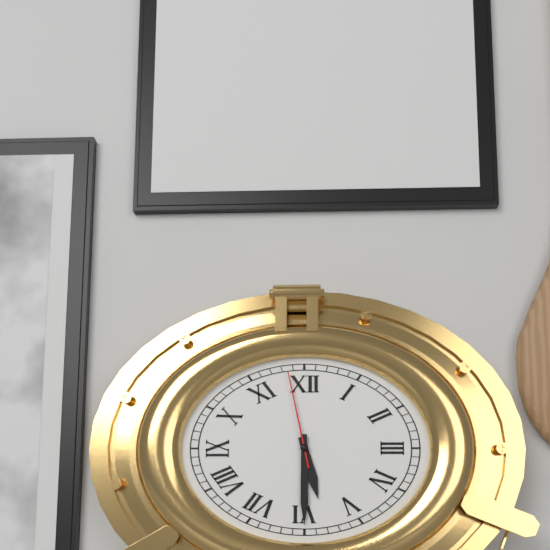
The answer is {"hour": 5, "minute": 30, "second": 58}
